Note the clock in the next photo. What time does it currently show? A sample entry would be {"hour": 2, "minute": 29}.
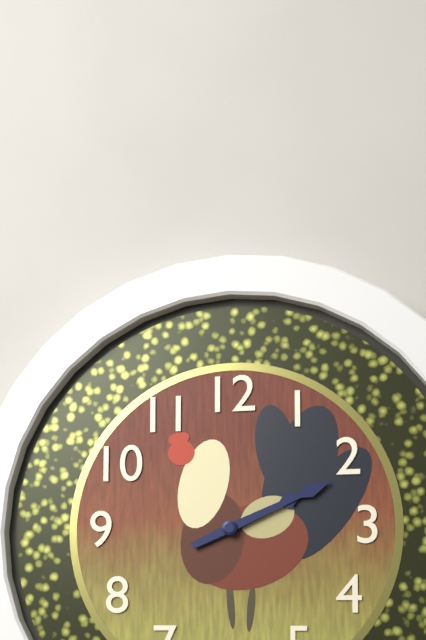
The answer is {"hour": 2, "minute": 11}
